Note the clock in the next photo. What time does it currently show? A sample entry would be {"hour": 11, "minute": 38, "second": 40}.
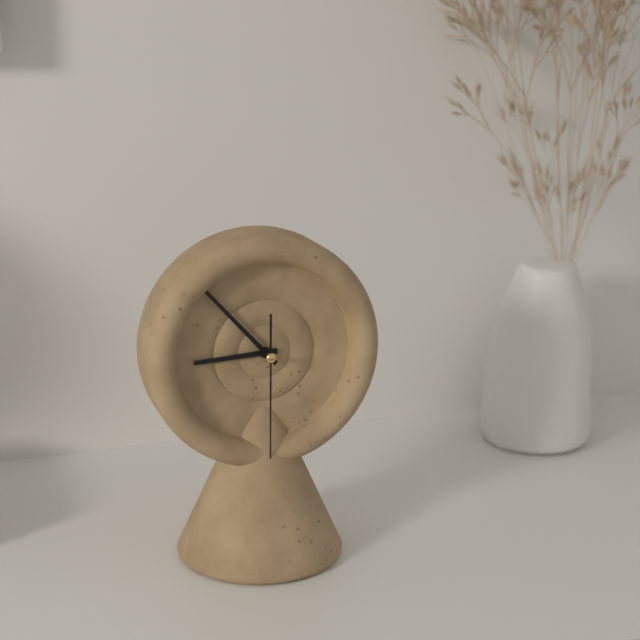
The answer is {"hour": 8, "minute": 53, "second": 30}
